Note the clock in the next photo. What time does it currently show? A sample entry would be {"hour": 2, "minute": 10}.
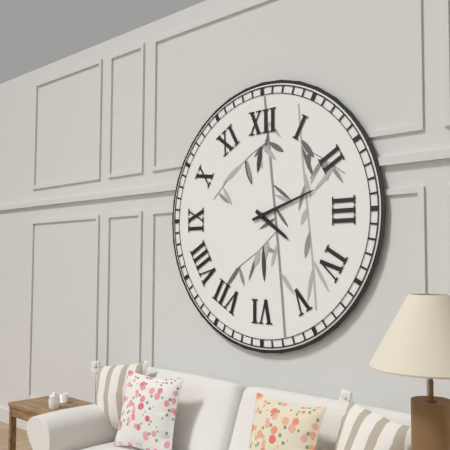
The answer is {"hour": 4, "minute": 12}
